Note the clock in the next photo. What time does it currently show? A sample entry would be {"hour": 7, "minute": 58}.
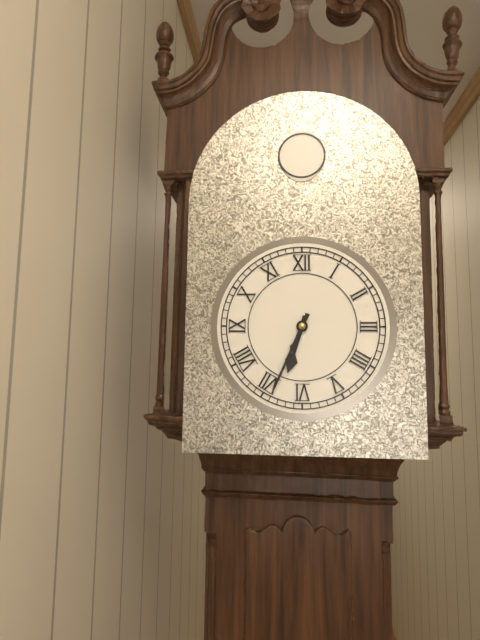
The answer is {"hour": 6, "minute": 34}
